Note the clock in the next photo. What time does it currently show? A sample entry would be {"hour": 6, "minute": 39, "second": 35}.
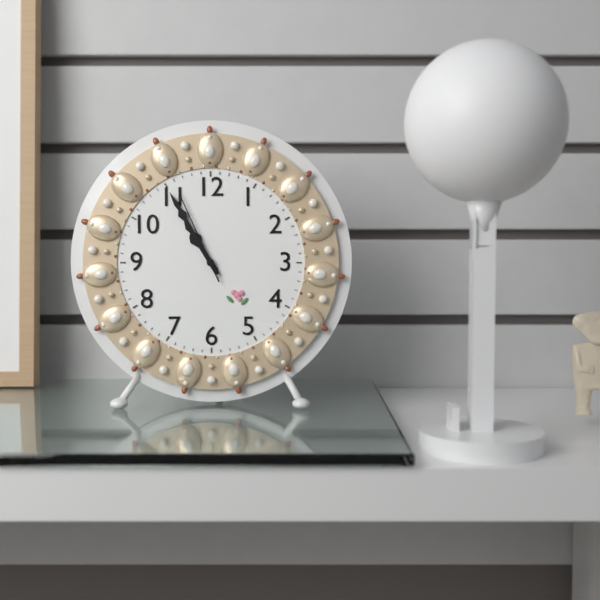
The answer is {"hour": 10, "minute": 55, "second": 56}
